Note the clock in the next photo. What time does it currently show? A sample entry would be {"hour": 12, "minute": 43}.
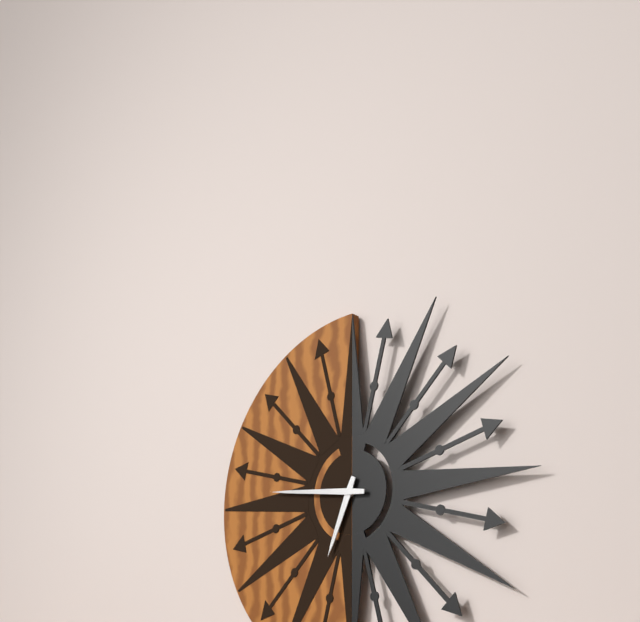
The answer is {"hour": 6, "minute": 46}
